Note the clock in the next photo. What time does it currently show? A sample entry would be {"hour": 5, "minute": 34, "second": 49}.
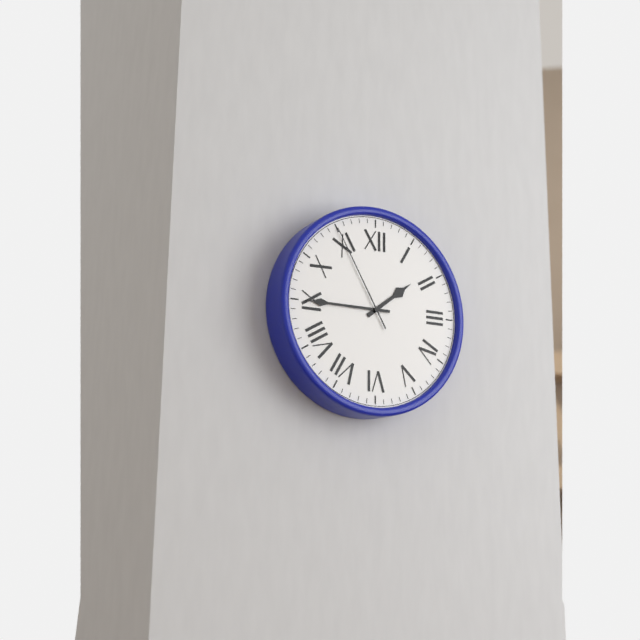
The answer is {"hour": 1, "minute": 45, "second": 55}
